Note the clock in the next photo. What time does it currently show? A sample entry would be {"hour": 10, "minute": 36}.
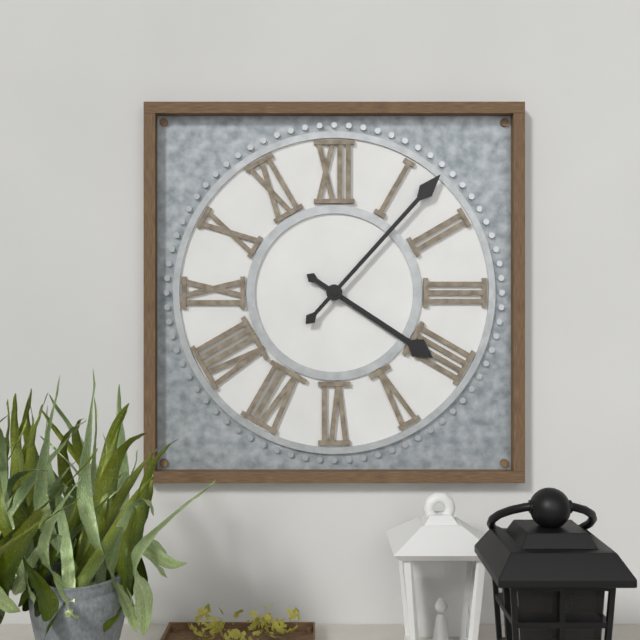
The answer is {"hour": 4, "minute": 7}
